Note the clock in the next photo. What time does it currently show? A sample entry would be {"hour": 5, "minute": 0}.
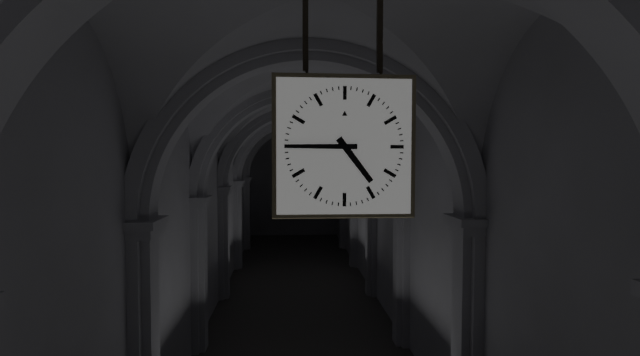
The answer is {"hour": 4, "minute": 45}
